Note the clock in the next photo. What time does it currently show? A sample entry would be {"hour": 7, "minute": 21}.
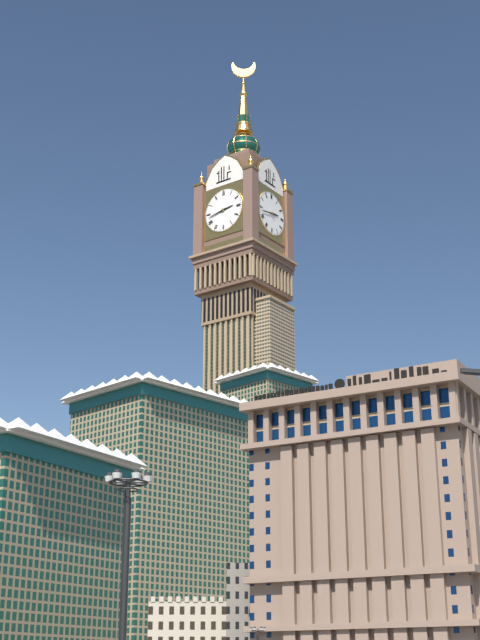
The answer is {"hour": 2, "minute": 43}
